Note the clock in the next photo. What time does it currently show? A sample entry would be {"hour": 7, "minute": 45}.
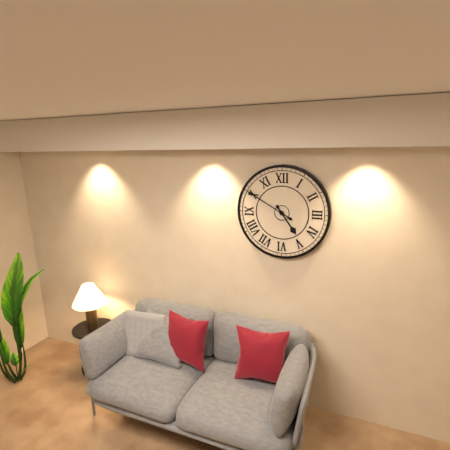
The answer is {"hour": 4, "minute": 50}
